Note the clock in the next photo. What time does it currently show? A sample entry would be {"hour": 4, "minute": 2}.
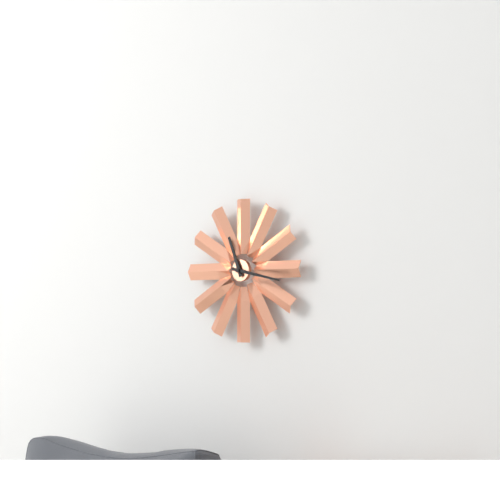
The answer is {"hour": 11, "minute": 17}
